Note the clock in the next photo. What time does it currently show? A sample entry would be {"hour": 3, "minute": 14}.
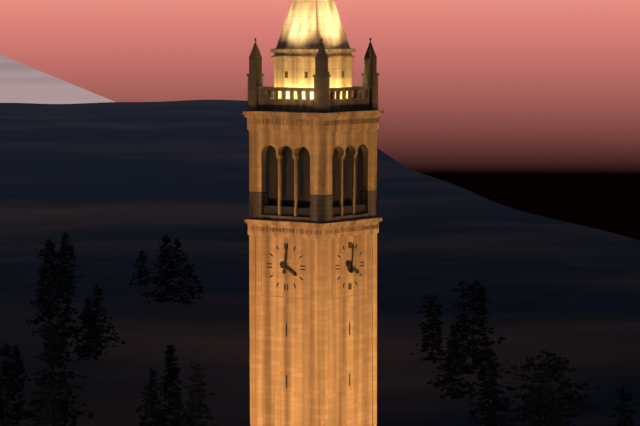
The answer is {"hour": 4, "minute": 1}
